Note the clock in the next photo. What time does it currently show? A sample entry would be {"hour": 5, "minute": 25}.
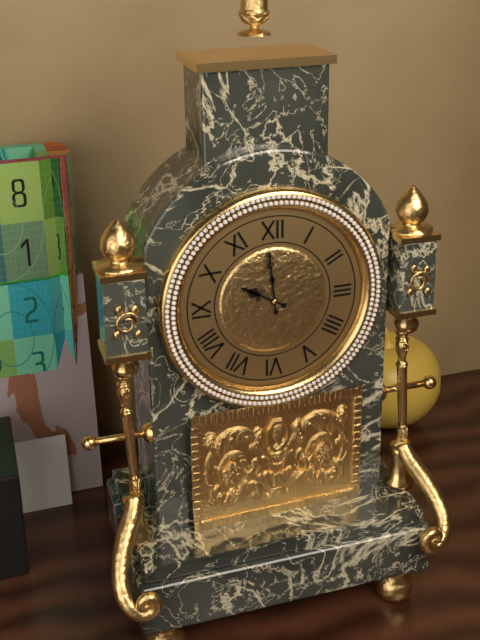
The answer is {"hour": 9, "minute": 59}
